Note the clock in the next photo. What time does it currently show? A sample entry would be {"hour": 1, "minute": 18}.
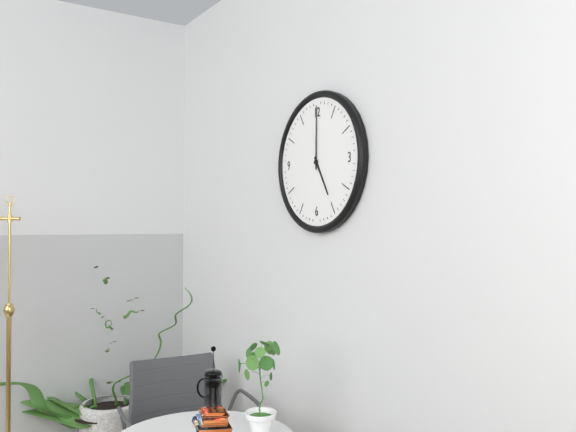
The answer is {"hour": 5, "minute": 0}
